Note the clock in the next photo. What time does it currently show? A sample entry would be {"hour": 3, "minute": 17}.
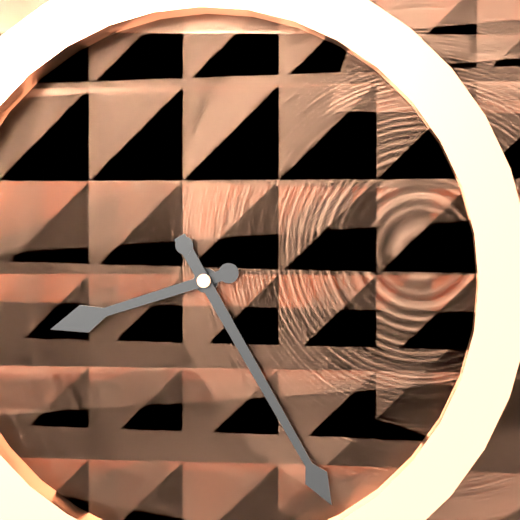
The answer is {"hour": 8, "minute": 25}
